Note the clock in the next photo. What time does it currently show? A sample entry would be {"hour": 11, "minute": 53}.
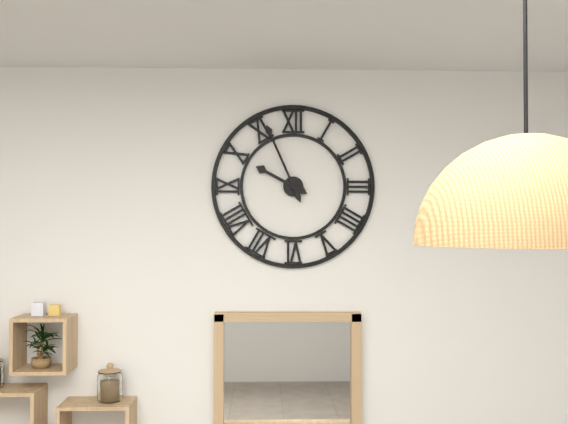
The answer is {"hour": 9, "minute": 56}
